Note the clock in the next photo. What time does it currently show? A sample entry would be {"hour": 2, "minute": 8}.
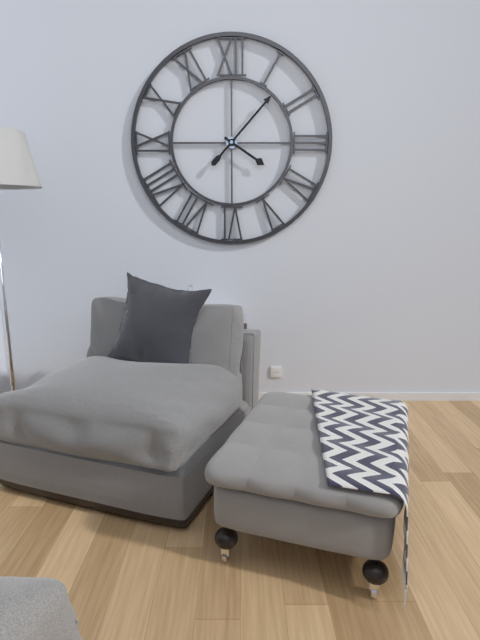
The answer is {"hour": 4, "minute": 7}
